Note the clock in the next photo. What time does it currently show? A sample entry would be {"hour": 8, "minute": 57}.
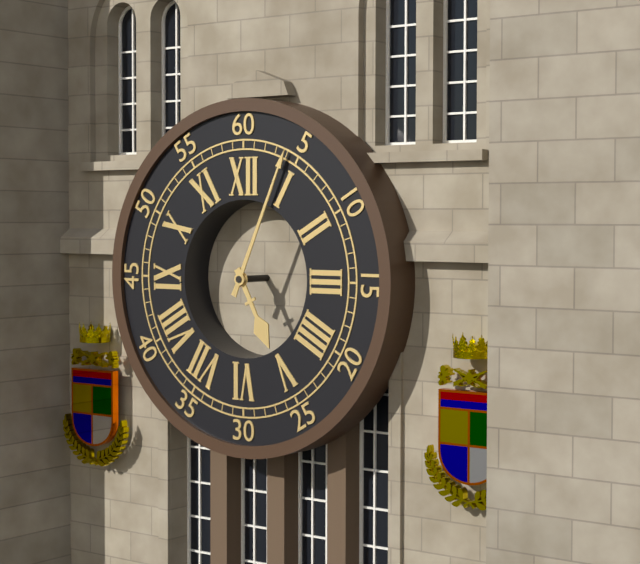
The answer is {"hour": 5, "minute": 4}
